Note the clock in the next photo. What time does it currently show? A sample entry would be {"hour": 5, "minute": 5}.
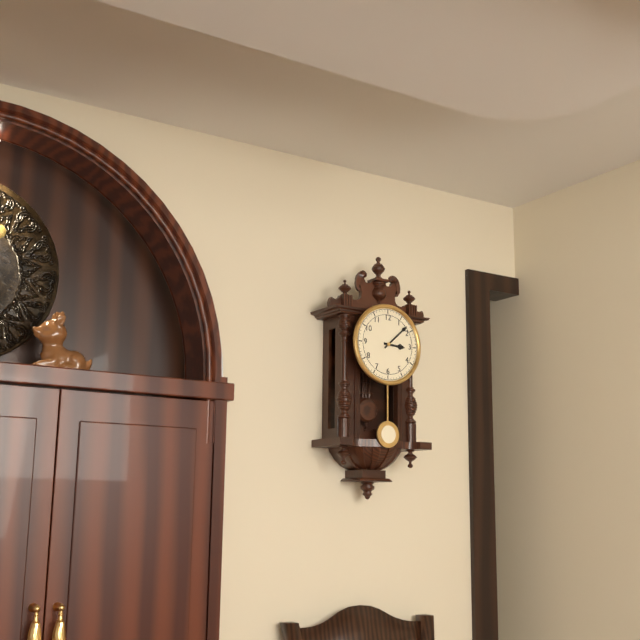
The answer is {"hour": 3, "minute": 8}
